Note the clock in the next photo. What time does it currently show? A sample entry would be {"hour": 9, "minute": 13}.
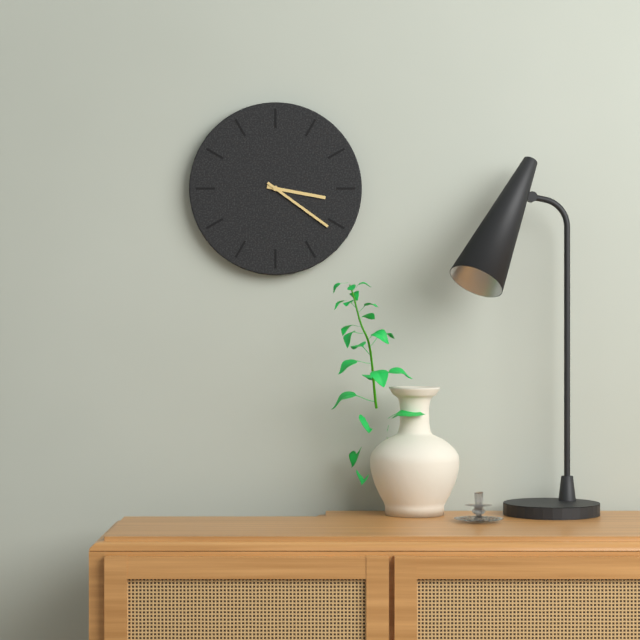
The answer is {"hour": 3, "minute": 21}
